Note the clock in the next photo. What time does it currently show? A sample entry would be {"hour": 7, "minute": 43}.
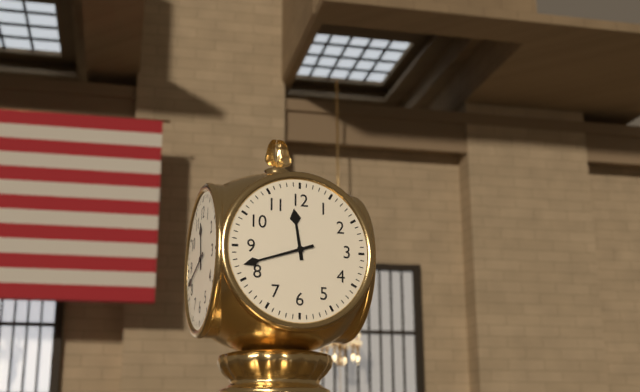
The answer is {"hour": 11, "minute": 42}
